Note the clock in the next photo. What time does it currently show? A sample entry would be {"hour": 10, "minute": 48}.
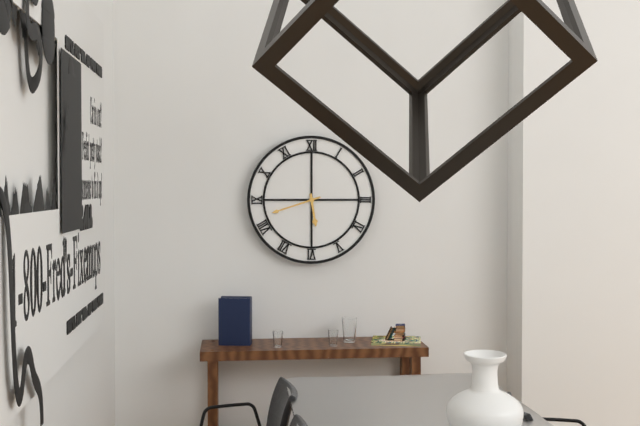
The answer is {"hour": 5, "minute": 42}
